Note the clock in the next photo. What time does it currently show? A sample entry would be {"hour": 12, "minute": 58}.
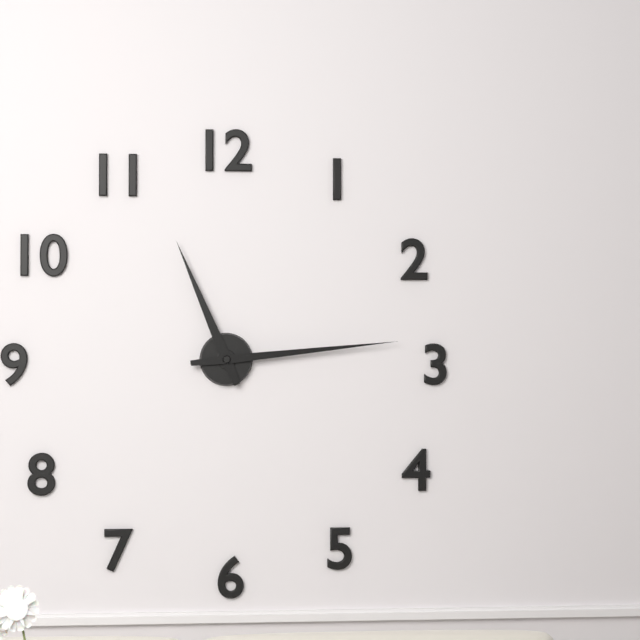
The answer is {"hour": 11, "minute": 14}
